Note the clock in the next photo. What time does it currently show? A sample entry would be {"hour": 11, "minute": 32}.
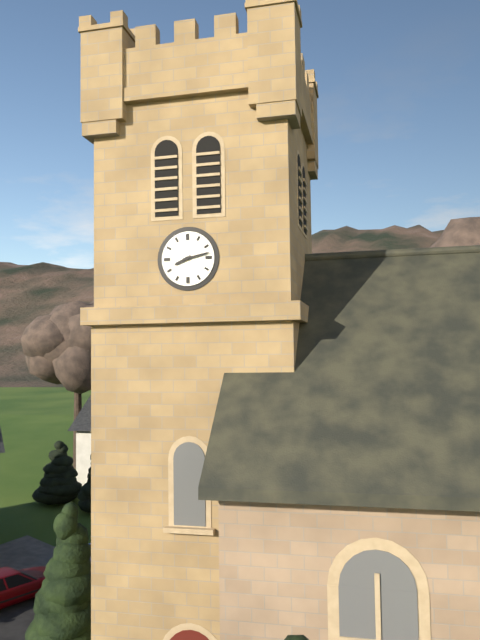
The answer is {"hour": 8, "minute": 13}
